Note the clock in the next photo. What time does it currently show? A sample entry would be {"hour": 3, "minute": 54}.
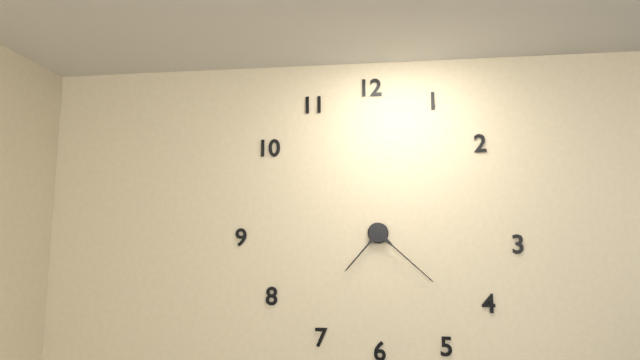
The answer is {"hour": 7, "minute": 22}
